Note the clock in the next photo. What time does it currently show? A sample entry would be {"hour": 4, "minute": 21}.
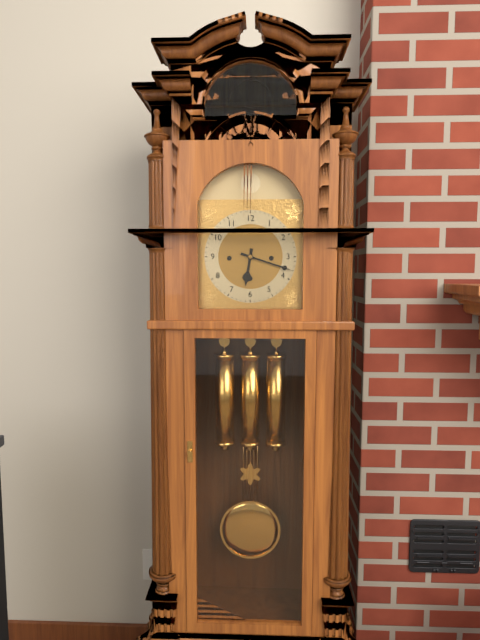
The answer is {"hour": 6, "minute": 18}
